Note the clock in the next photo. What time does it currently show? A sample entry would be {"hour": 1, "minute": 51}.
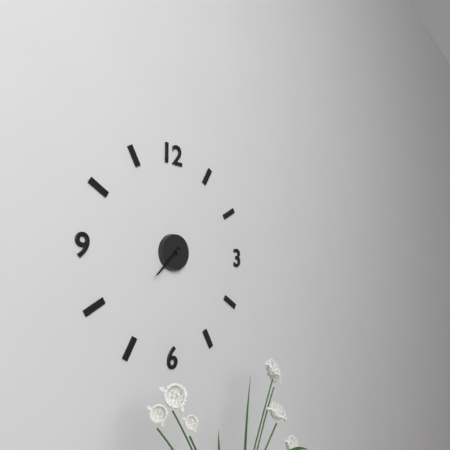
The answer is {"hour": 7, "minute": 38}
